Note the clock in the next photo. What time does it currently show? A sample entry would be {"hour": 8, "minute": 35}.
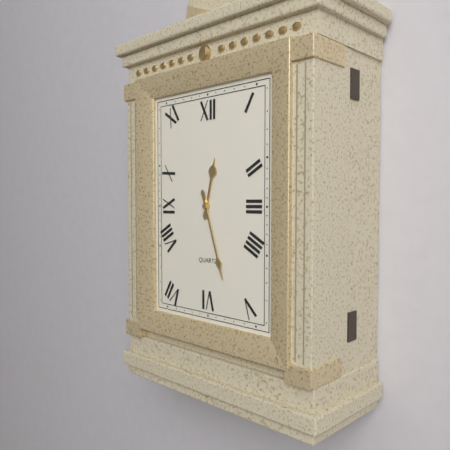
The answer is {"hour": 12, "minute": 27}
